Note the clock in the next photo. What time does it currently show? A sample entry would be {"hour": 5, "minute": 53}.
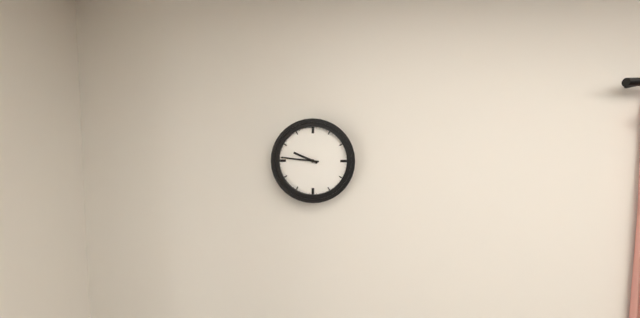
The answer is {"hour": 9, "minute": 46}
